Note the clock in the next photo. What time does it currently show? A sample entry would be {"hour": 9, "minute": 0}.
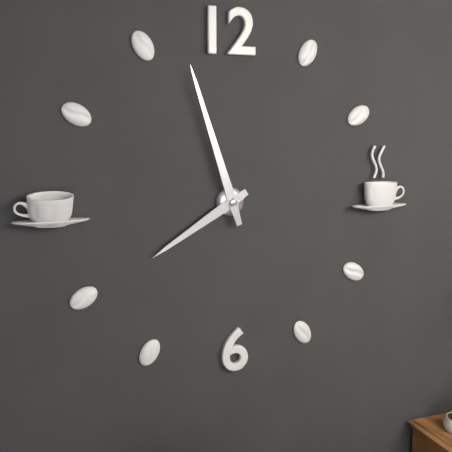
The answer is {"hour": 7, "minute": 57}
